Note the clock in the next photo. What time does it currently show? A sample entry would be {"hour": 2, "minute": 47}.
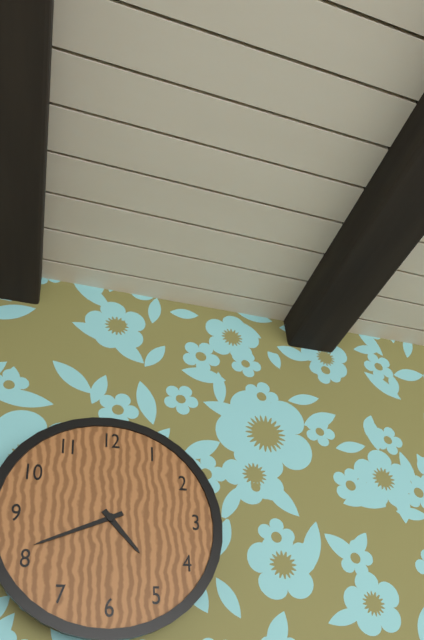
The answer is {"hour": 4, "minute": 41}
